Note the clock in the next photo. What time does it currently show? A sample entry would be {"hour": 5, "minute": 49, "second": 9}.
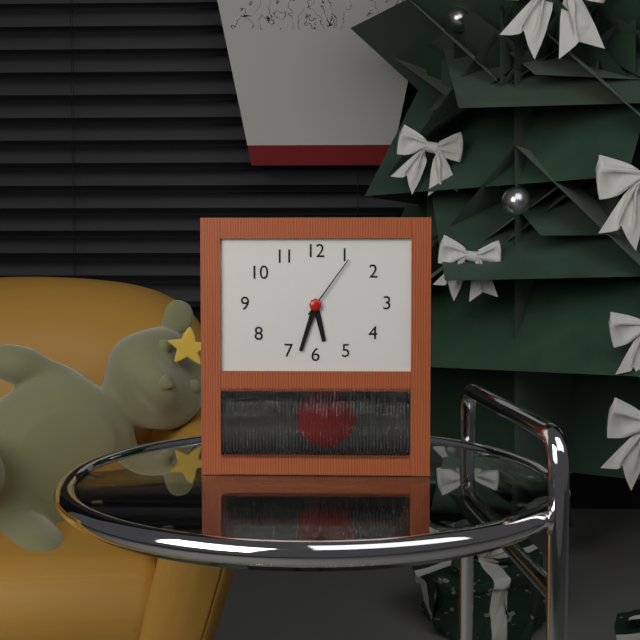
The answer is {"hour": 5, "minute": 33, "second": 6}
